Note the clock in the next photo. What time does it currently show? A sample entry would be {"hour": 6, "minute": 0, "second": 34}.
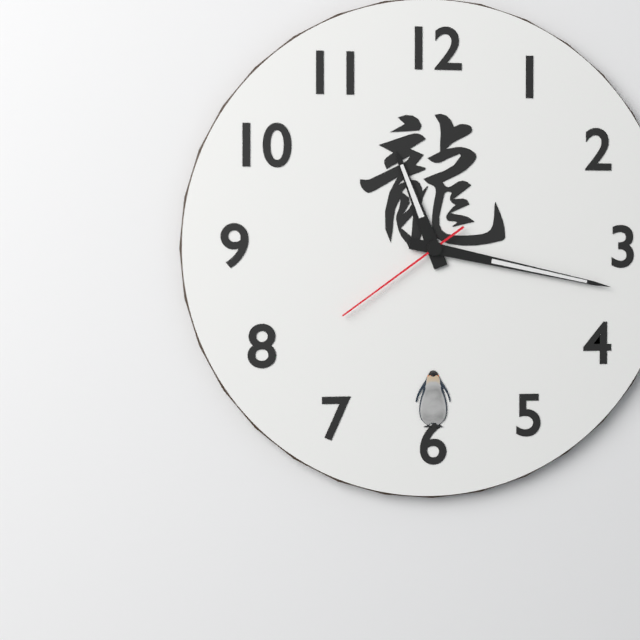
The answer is {"hour": 11, "minute": 17, "second": 39}
